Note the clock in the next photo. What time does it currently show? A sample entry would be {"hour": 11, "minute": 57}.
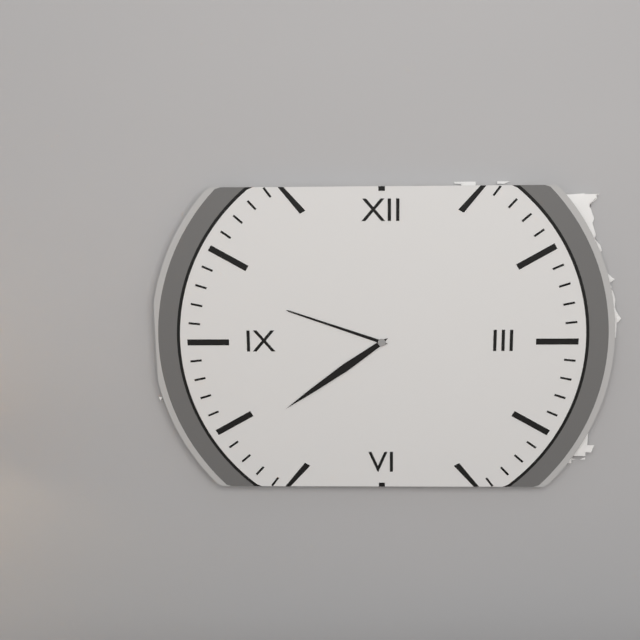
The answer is {"hour": 9, "minute": 39}
